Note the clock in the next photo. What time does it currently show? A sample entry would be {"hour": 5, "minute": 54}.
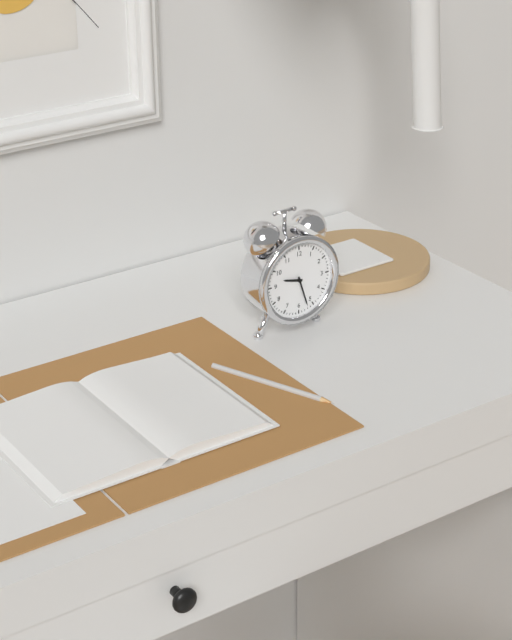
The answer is {"hour": 9, "minute": 27}
